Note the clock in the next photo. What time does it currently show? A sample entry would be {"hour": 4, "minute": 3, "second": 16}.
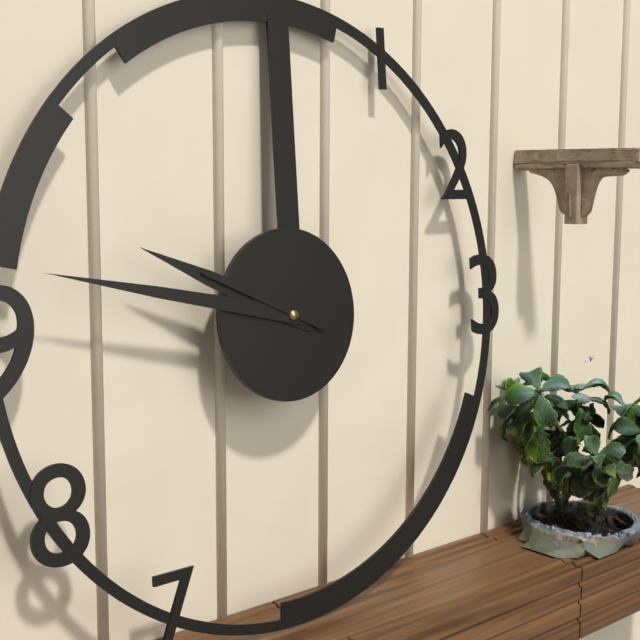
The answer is {"hour": 9, "minute": 47, "second": 49}
